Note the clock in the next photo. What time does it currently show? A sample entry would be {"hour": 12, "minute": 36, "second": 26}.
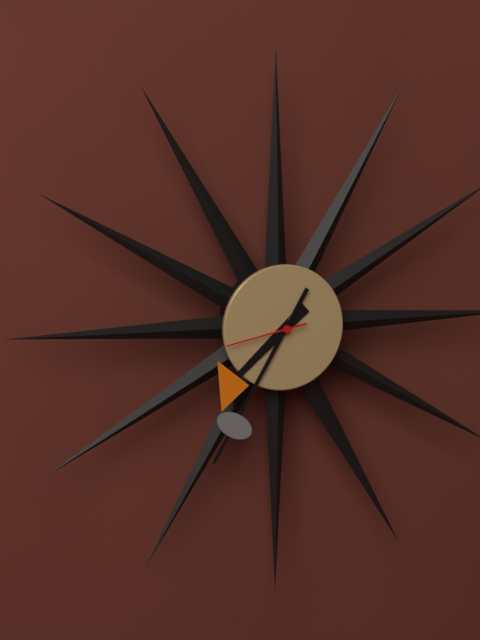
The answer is {"hour": 7, "minute": 35, "second": 43}
